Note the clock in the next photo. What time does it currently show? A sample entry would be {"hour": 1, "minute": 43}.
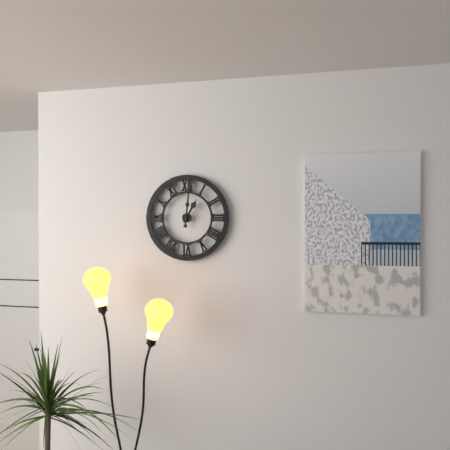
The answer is {"hour": 1, "minute": 1}
